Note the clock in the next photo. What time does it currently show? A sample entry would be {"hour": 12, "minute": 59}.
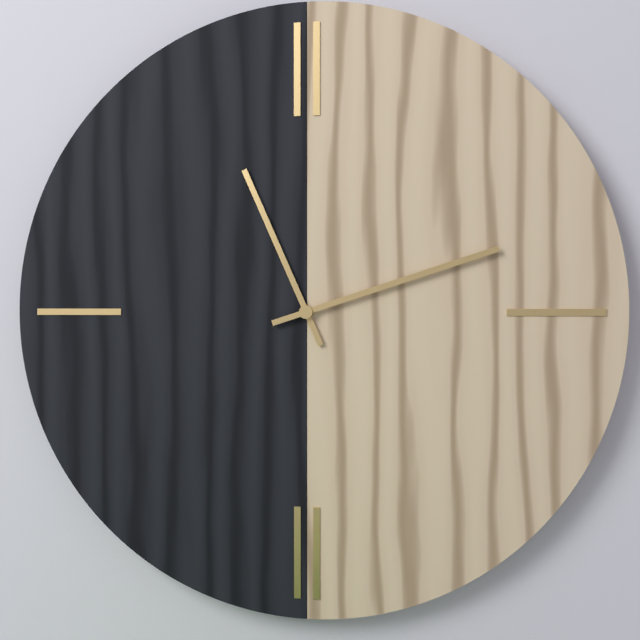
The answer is {"hour": 11, "minute": 12}
